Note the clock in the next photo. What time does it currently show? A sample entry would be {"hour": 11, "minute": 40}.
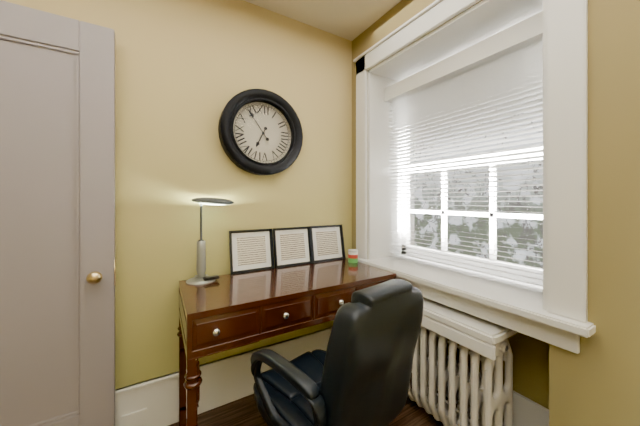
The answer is {"hour": 6, "minute": 54}
